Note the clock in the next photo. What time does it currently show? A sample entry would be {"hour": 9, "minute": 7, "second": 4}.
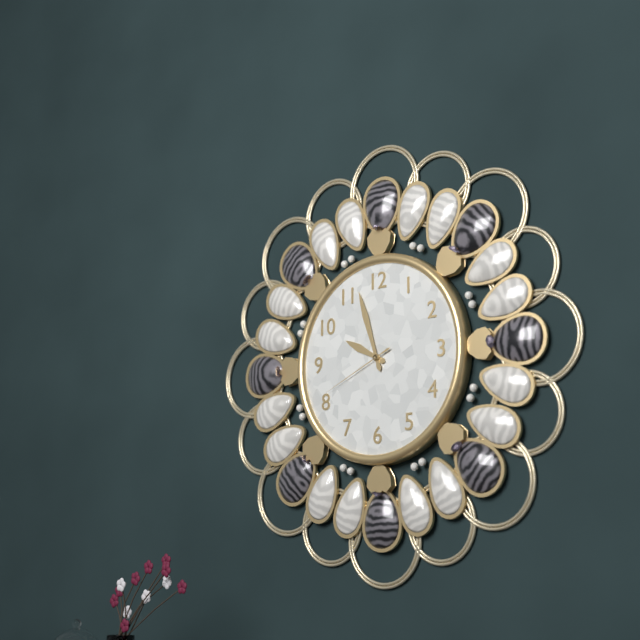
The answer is {"hour": 9, "minute": 57, "second": 41}
